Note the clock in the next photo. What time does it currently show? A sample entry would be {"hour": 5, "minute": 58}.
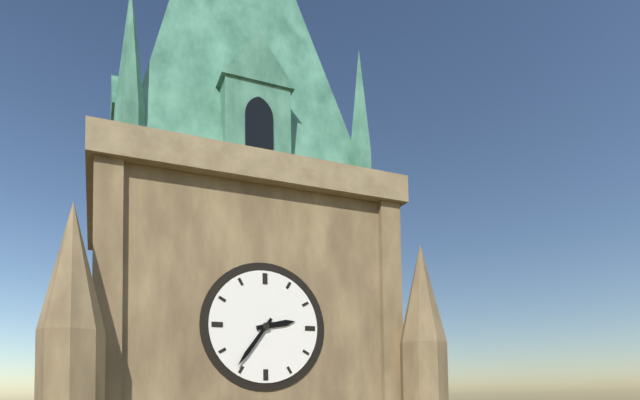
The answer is {"hour": 2, "minute": 36}
